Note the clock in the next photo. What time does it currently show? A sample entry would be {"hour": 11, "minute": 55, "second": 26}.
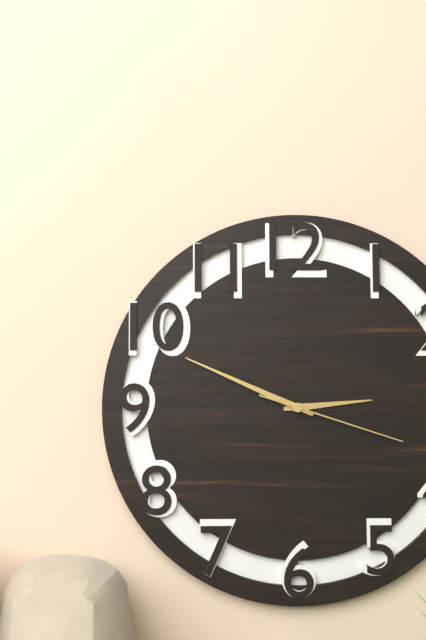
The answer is {"hour": 2, "minute": 49, "second": 18}
